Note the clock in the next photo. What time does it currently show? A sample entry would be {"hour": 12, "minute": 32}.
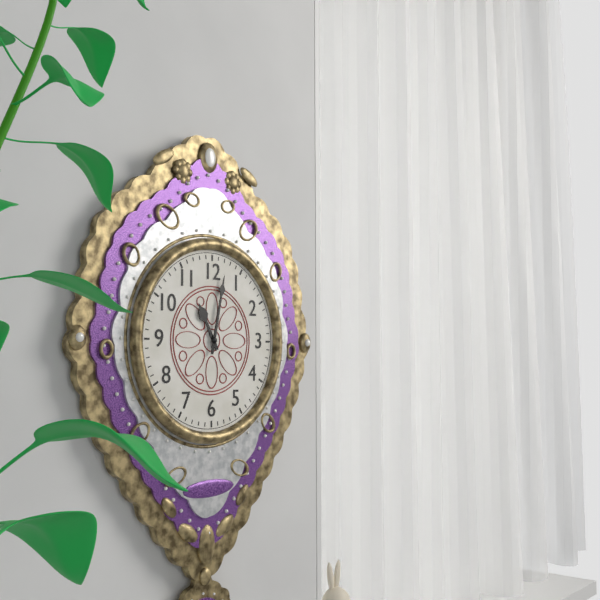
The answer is {"hour": 11, "minute": 2}
